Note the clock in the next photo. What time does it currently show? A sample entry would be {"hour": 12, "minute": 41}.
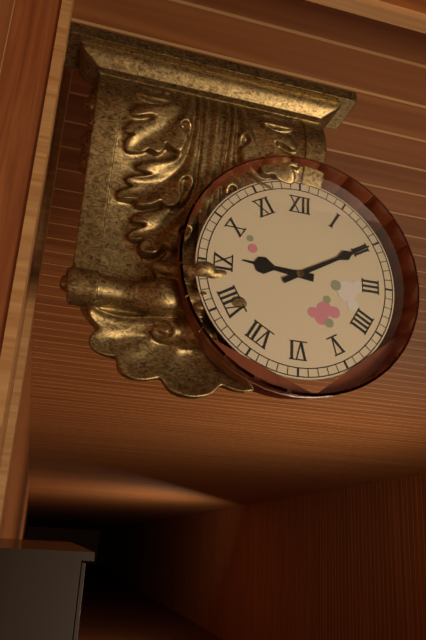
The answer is {"hour": 9, "minute": 10}
